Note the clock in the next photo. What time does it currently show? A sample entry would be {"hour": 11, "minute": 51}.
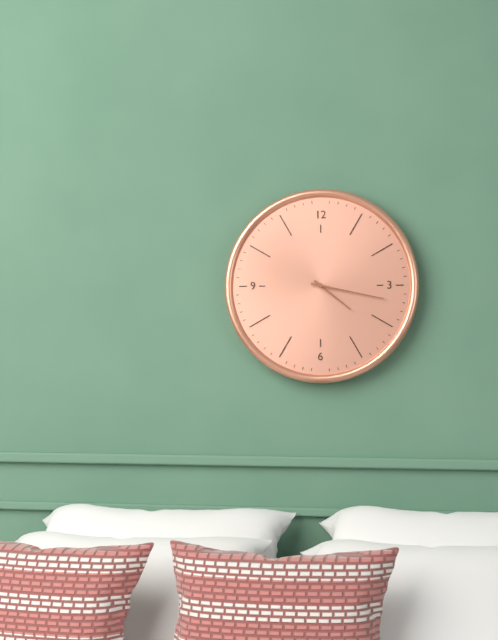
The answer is {"hour": 4, "minute": 17}
